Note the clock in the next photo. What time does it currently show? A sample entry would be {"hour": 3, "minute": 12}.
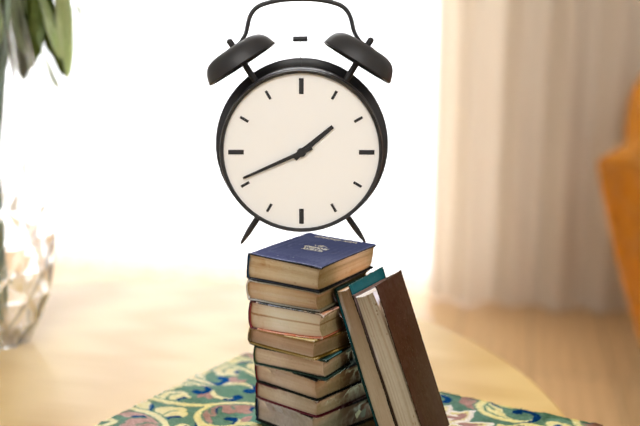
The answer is {"hour": 1, "minute": 41}
